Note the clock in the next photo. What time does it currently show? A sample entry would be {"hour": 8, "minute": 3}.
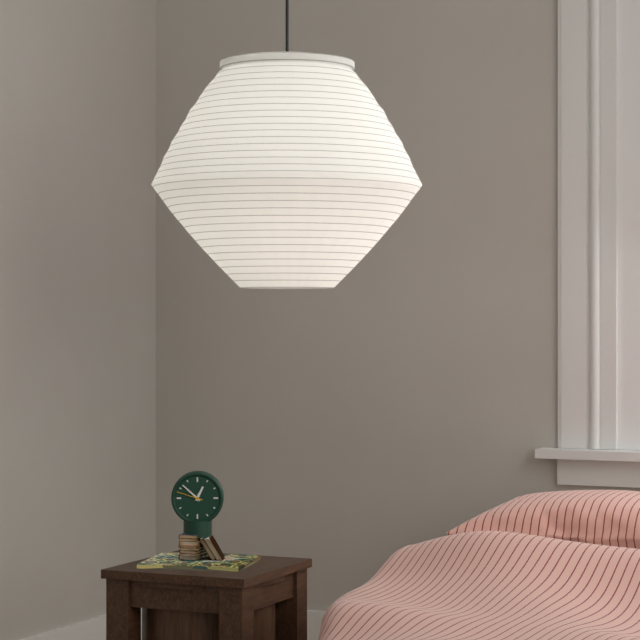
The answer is {"hour": 12, "minute": 52}
